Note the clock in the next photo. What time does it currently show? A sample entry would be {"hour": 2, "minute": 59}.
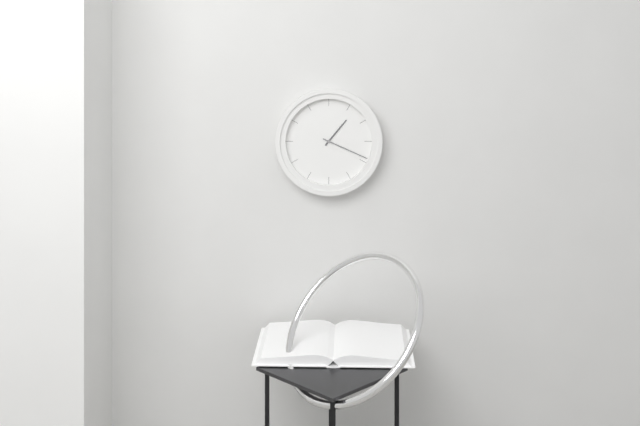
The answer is {"hour": 1, "minute": 19}
